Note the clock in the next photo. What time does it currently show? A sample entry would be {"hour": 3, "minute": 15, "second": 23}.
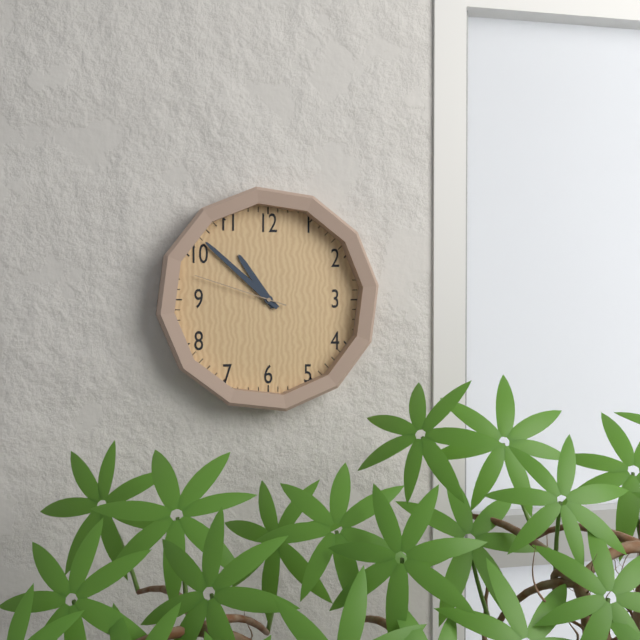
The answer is {"hour": 10, "minute": 52, "second": 48}
